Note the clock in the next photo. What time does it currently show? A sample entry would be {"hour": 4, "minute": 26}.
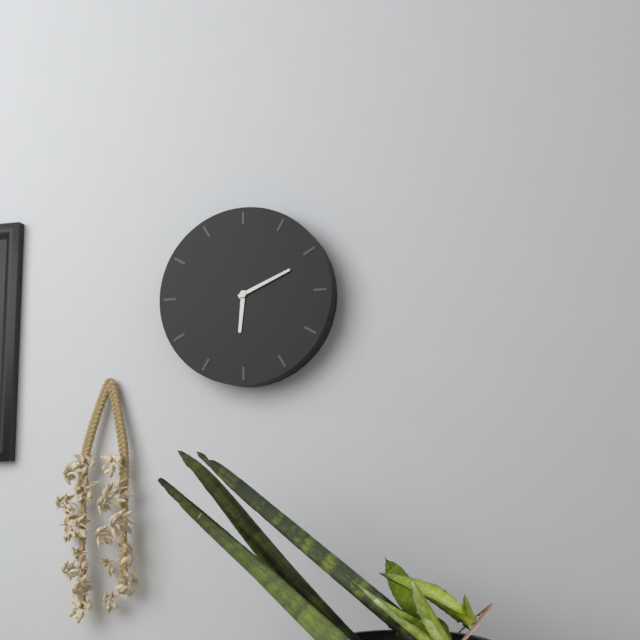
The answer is {"hour": 6, "minute": 11}
